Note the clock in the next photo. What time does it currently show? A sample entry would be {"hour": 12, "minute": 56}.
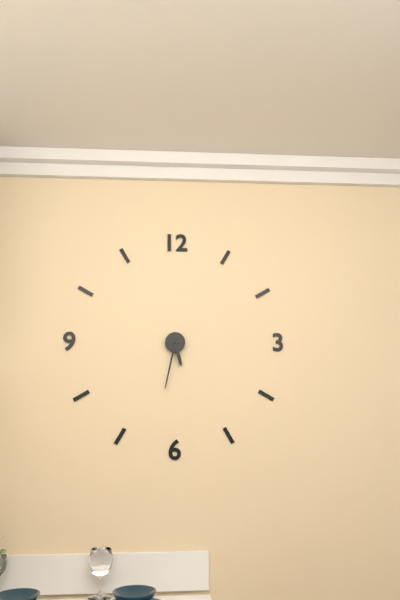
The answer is {"hour": 5, "minute": 32}
